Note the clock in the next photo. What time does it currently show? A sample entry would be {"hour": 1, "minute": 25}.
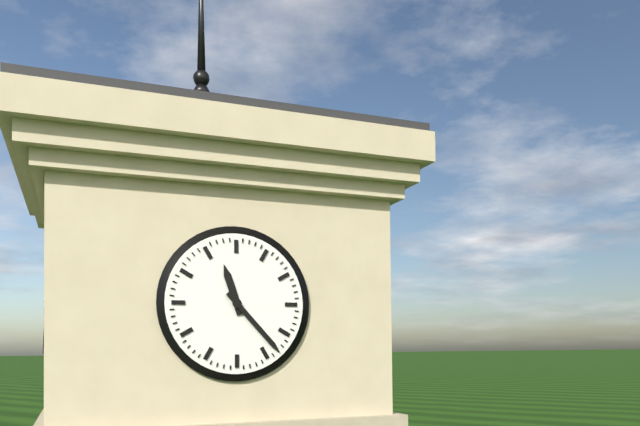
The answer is {"hour": 11, "minute": 23}
